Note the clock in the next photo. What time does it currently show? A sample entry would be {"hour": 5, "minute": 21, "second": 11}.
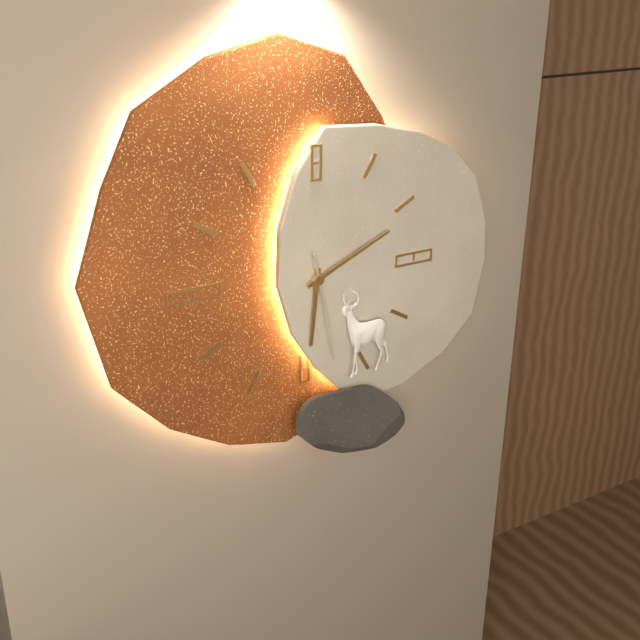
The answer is {"hour": 6, "minute": 11, "second": 28}
